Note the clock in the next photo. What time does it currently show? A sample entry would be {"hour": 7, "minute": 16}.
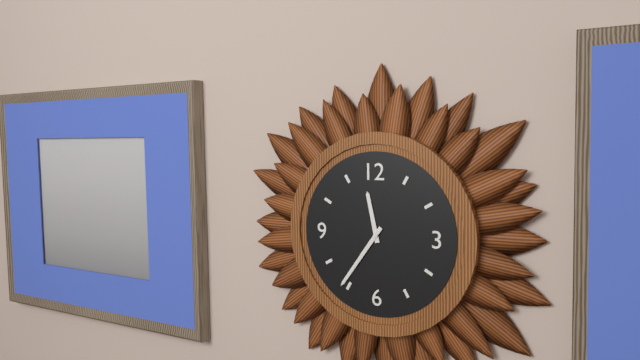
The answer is {"hour": 11, "minute": 36}
